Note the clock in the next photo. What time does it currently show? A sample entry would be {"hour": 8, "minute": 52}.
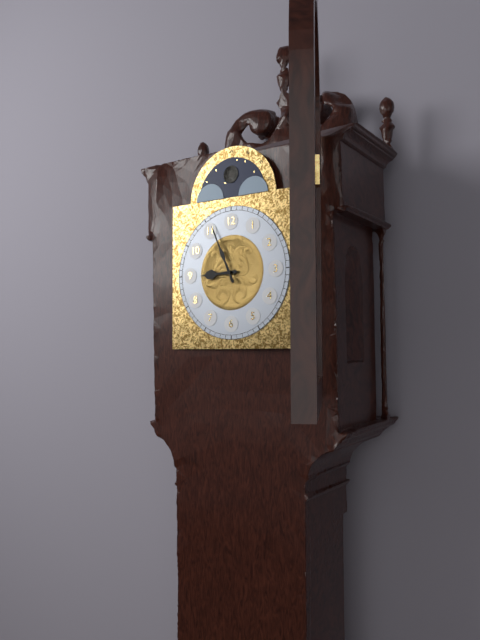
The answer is {"hour": 8, "minute": 56}
